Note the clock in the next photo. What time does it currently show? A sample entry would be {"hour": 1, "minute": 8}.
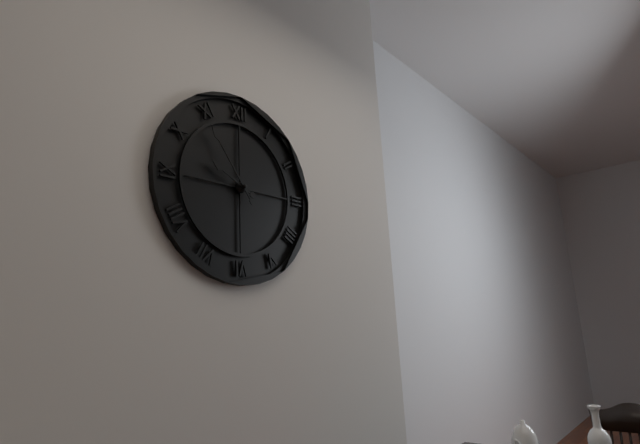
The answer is {"hour": 9, "minute": 54}
